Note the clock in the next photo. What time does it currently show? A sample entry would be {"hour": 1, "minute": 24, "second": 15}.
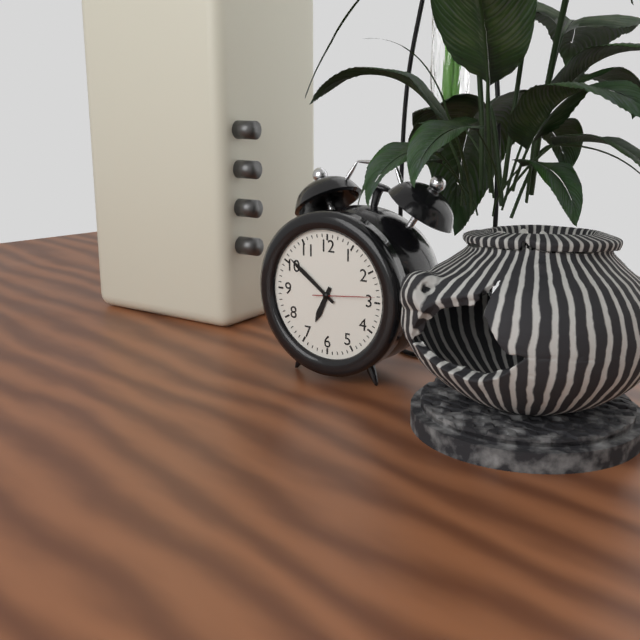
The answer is {"hour": 6, "minute": 51, "second": 14}
